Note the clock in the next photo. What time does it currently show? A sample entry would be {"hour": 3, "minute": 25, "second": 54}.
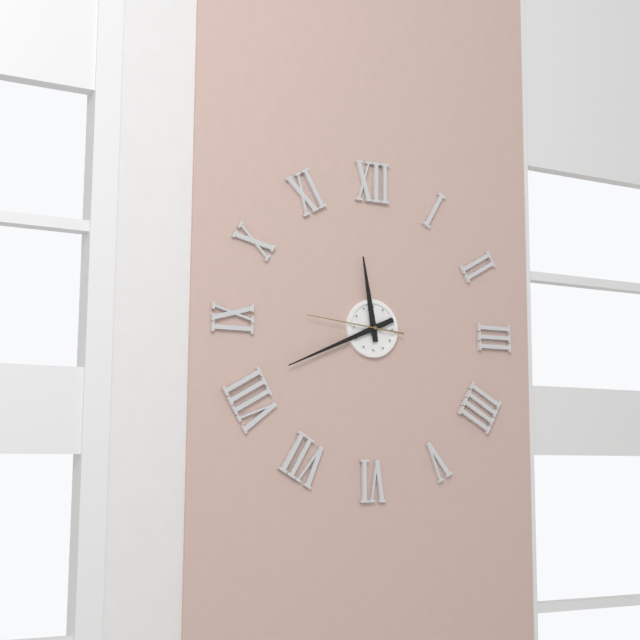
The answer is {"hour": 11, "minute": 41, "second": 46}
